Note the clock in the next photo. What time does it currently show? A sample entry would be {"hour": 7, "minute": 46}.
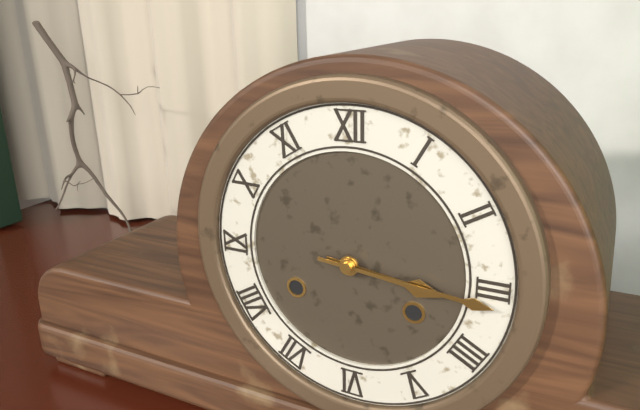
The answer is {"hour": 3, "minute": 16}
